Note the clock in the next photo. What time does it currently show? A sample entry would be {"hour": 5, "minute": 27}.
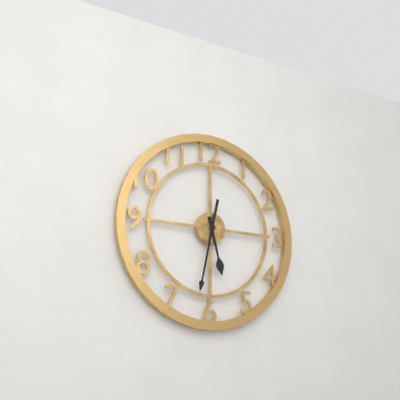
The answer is {"hour": 5, "minute": 32}
